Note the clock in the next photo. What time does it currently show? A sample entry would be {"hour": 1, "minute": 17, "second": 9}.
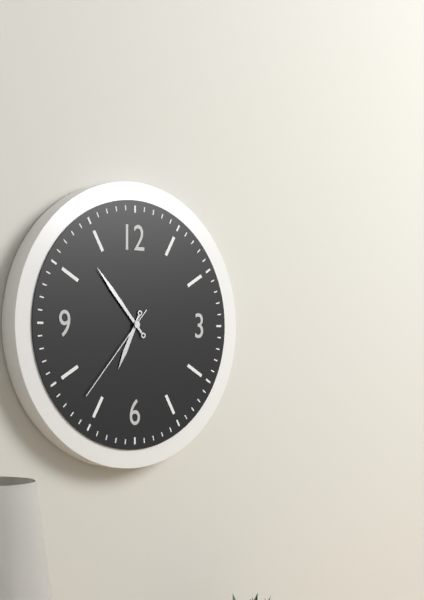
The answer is {"hour": 6, "minute": 53, "second": 37}
